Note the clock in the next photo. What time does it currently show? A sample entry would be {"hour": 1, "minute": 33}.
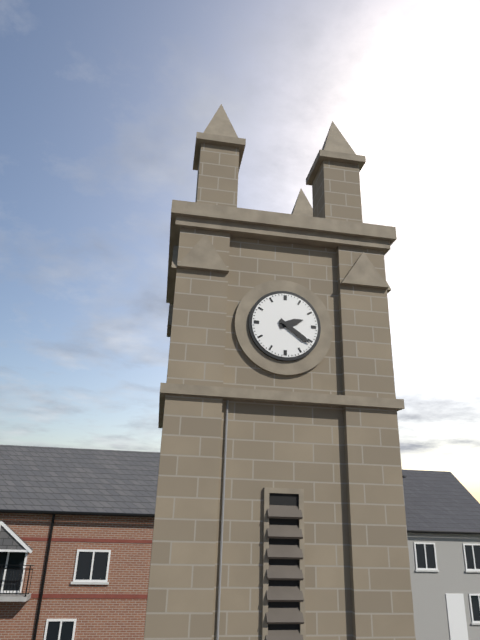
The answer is {"hour": 2, "minute": 21}
